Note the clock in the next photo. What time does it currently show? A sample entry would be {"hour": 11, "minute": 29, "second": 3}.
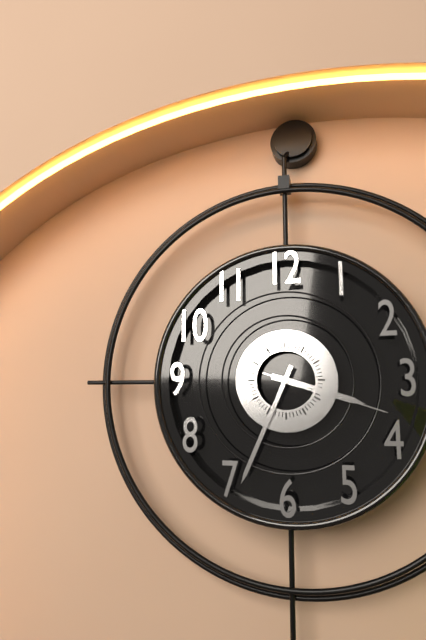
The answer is {"hour": 3, "minute": 34, "second": 18}
